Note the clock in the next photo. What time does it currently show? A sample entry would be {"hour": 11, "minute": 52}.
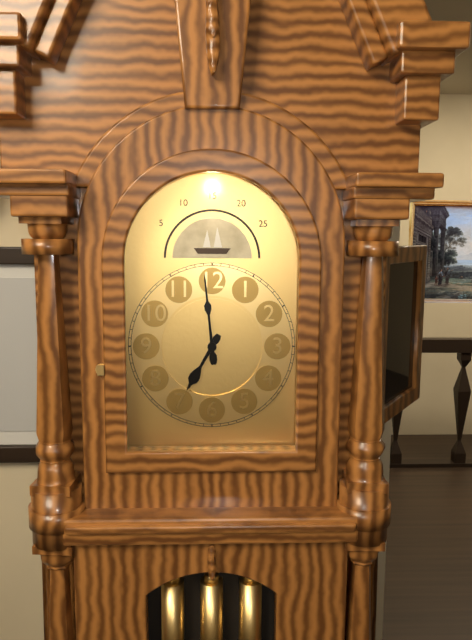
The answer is {"hour": 6, "minute": 59}
